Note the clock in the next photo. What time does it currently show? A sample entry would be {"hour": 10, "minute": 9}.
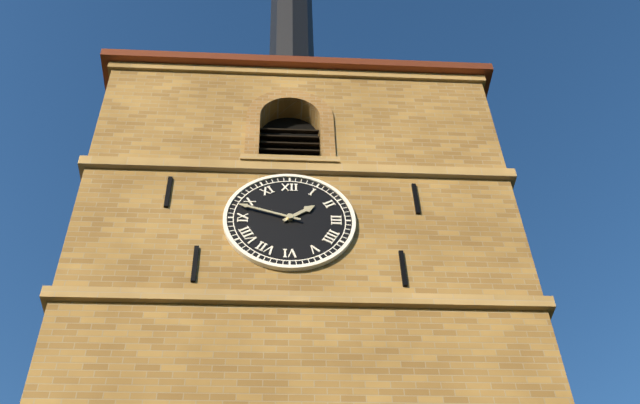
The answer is {"hour": 1, "minute": 48}
